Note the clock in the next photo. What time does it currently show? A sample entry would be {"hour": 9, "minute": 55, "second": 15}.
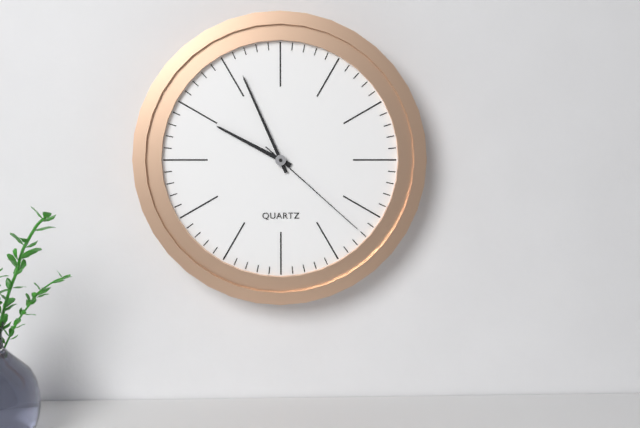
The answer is {"hour": 9, "minute": 56, "second": 22}
